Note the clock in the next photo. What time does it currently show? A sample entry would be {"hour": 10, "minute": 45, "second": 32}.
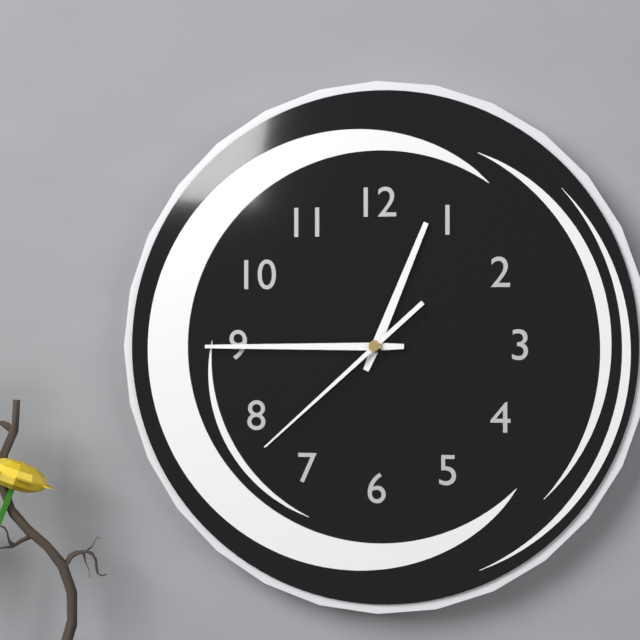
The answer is {"hour": 12, "minute": 45, "second": 38}
